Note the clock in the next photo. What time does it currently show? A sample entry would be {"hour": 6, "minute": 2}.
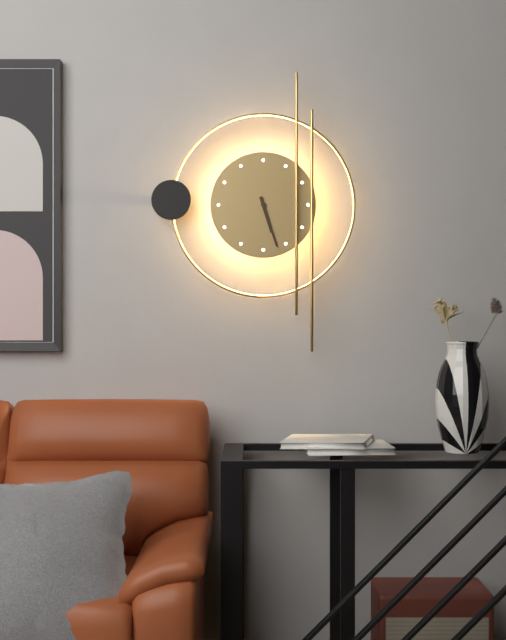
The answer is {"hour": 5, "minute": 27}
